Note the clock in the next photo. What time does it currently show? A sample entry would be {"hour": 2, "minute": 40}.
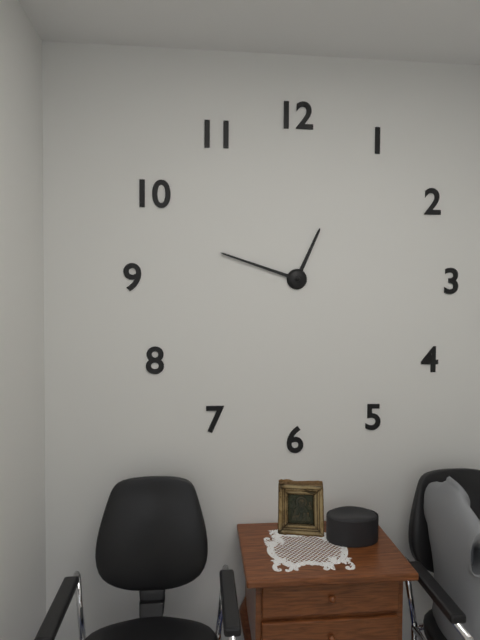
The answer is {"hour": 12, "minute": 48}
